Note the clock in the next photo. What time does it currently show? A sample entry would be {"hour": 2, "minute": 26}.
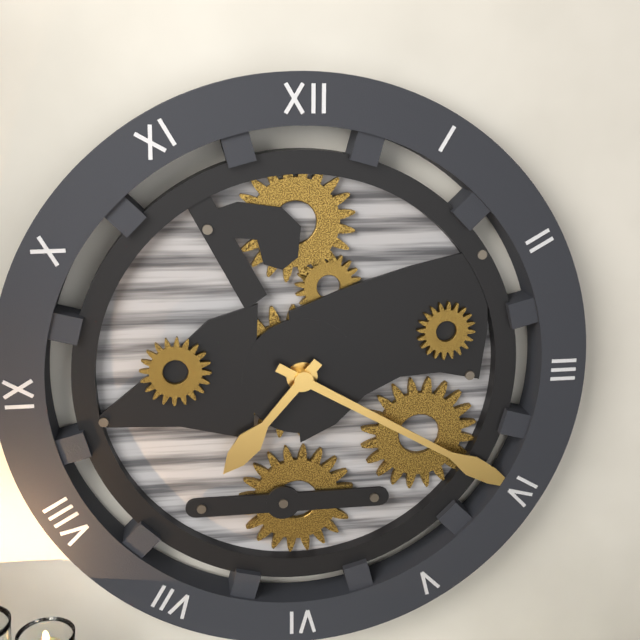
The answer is {"hour": 7, "minute": 20}
